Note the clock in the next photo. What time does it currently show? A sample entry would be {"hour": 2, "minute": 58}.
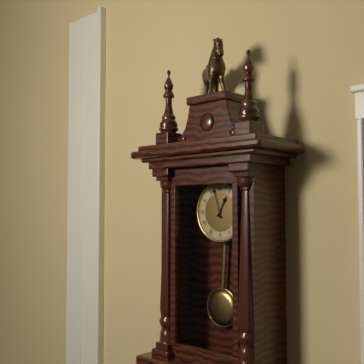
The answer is {"hour": 12, "minute": 57}
